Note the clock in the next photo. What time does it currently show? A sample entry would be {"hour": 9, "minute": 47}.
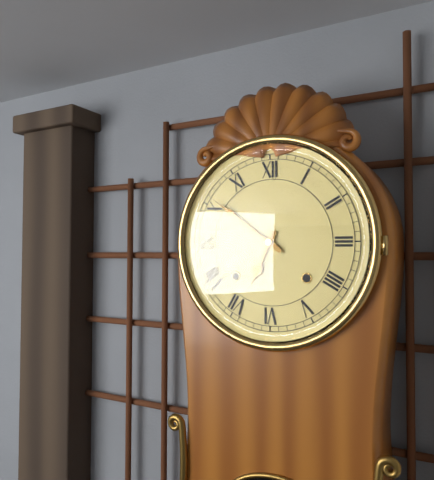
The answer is {"hour": 6, "minute": 51}
